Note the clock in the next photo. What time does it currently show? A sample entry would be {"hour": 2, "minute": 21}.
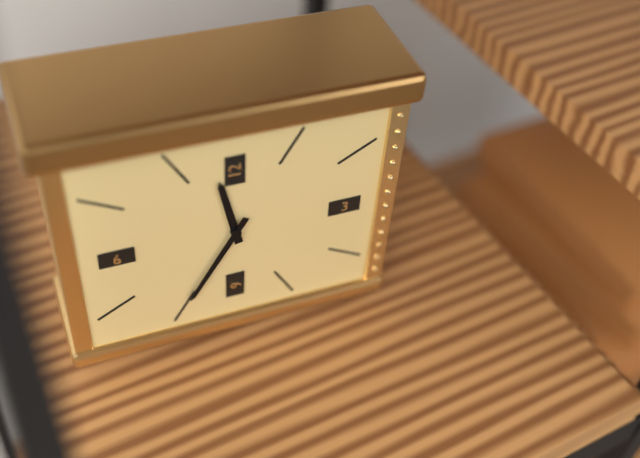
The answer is {"hour": 11, "minute": 35}
